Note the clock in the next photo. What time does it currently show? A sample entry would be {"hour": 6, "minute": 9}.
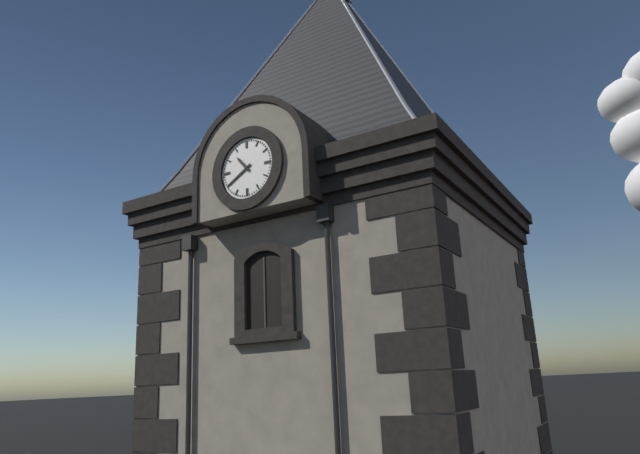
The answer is {"hour": 10, "minute": 40}
